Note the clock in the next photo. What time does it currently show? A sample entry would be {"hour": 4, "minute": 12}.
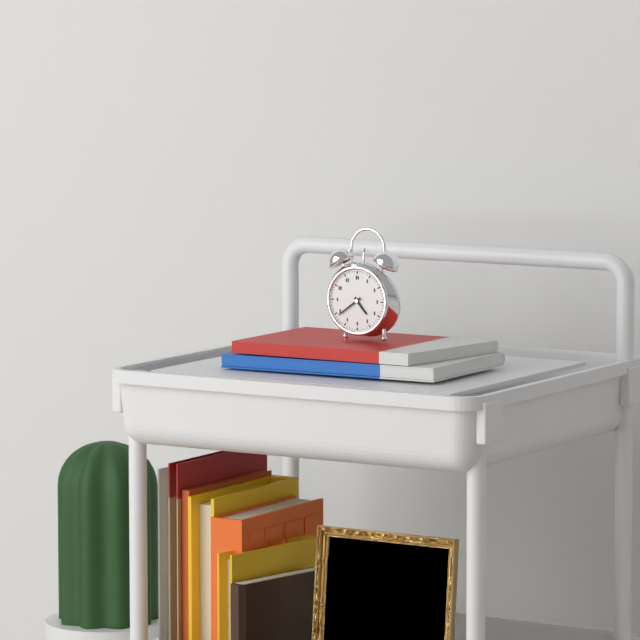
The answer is {"hour": 4, "minute": 39}
